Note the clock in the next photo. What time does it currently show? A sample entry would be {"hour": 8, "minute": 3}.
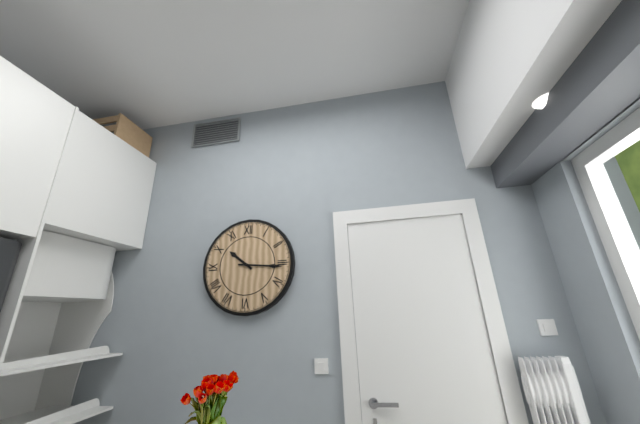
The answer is {"hour": 10, "minute": 16}
